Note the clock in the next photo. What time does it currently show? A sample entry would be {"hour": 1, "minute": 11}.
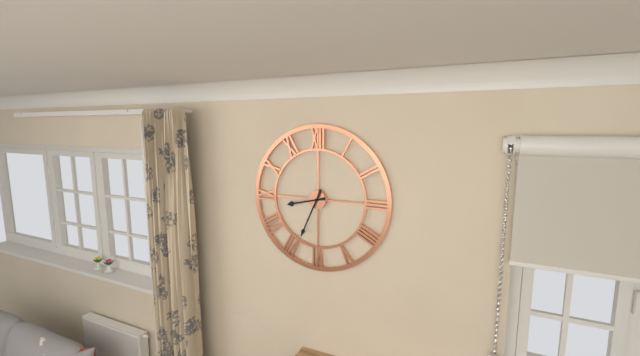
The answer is {"hour": 8, "minute": 34}
